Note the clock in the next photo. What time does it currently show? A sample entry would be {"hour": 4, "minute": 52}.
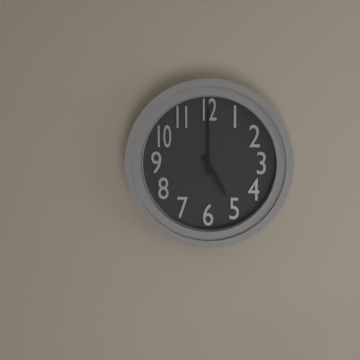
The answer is {"hour": 5, "minute": 0}
